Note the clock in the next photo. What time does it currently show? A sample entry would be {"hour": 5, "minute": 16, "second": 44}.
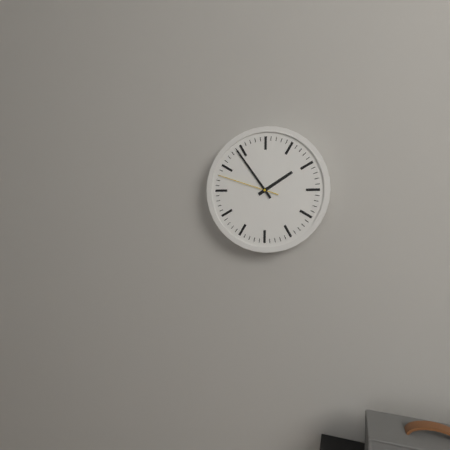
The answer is {"hour": 1, "minute": 54, "second": 48}
